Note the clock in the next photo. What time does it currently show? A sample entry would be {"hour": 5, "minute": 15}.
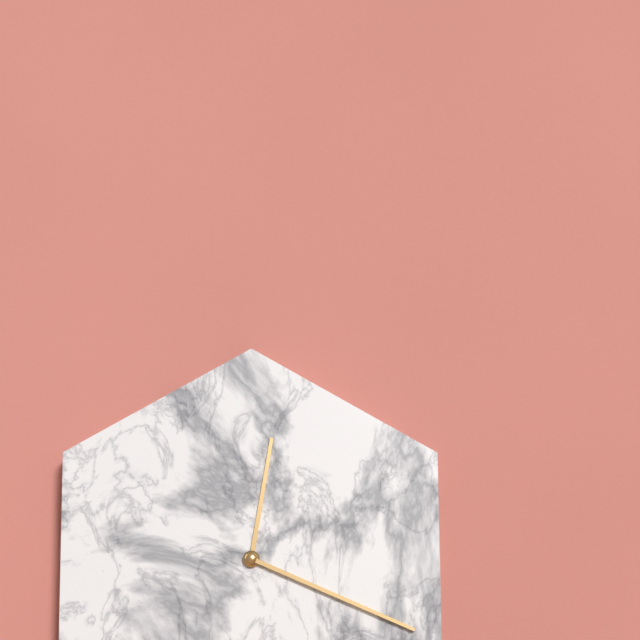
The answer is {"hour": 12, "minute": 19}
